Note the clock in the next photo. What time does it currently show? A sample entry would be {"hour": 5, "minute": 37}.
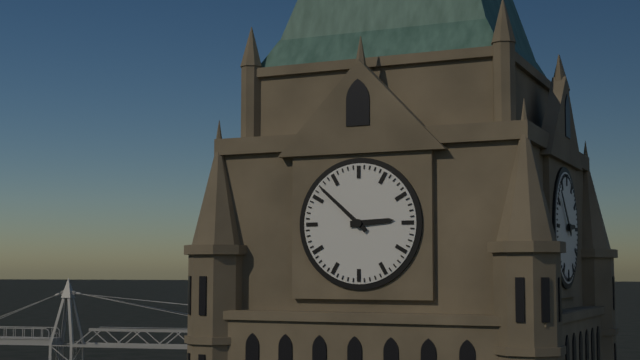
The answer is {"hour": 2, "minute": 52}
